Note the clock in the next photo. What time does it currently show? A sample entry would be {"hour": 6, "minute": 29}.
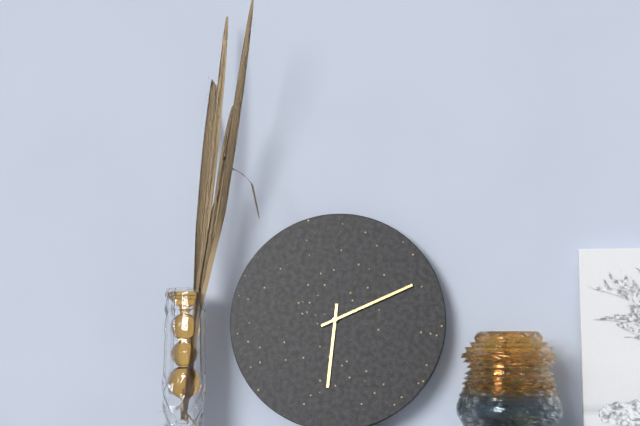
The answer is {"hour": 6, "minute": 11}
